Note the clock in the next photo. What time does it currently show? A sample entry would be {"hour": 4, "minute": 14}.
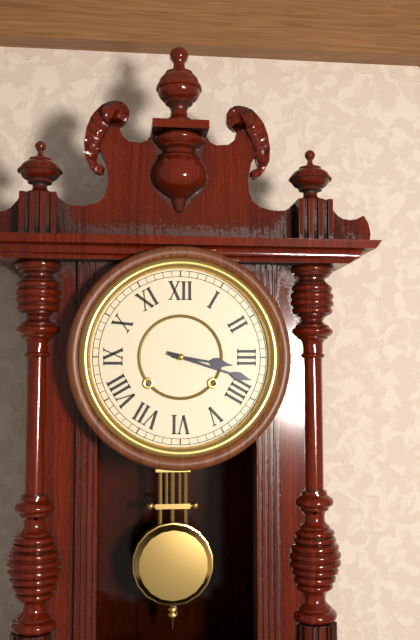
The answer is {"hour": 3, "minute": 18}
